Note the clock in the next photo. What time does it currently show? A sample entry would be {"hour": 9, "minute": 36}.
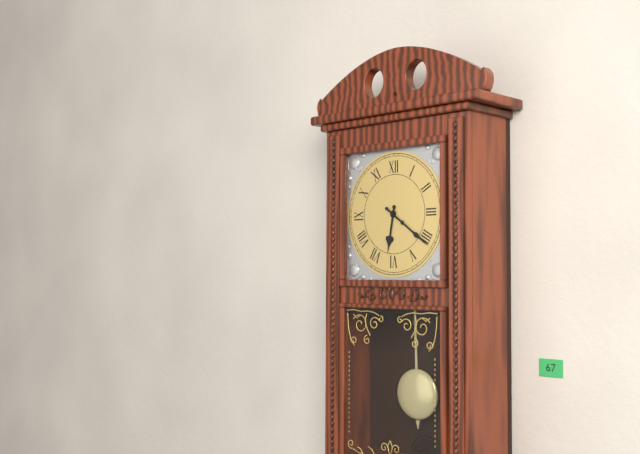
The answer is {"hour": 6, "minute": 21}
